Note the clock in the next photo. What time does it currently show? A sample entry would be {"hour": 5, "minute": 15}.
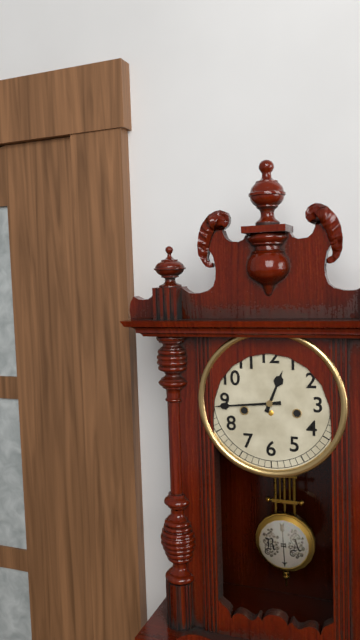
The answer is {"hour": 12, "minute": 44}
